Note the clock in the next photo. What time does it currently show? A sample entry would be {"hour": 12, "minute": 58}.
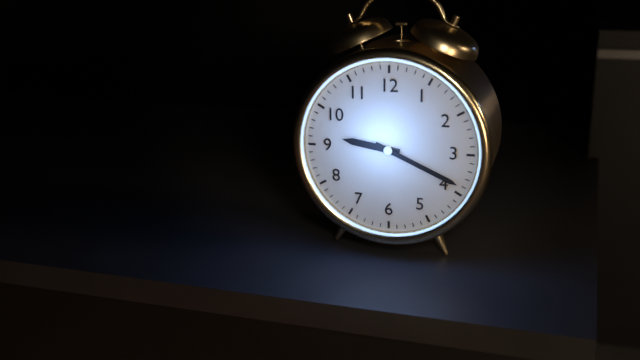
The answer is {"hour": 9, "minute": 19}
